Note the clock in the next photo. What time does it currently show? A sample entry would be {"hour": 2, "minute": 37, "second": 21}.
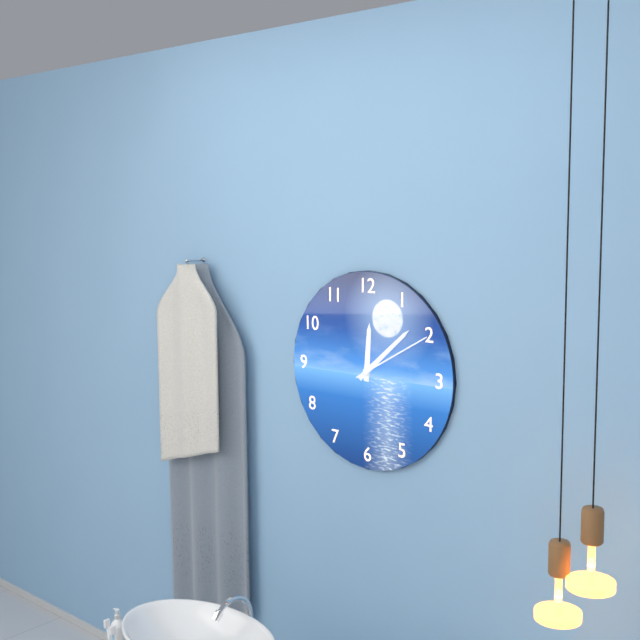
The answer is {"hour": 12, "minute": 8, "second": 10}
